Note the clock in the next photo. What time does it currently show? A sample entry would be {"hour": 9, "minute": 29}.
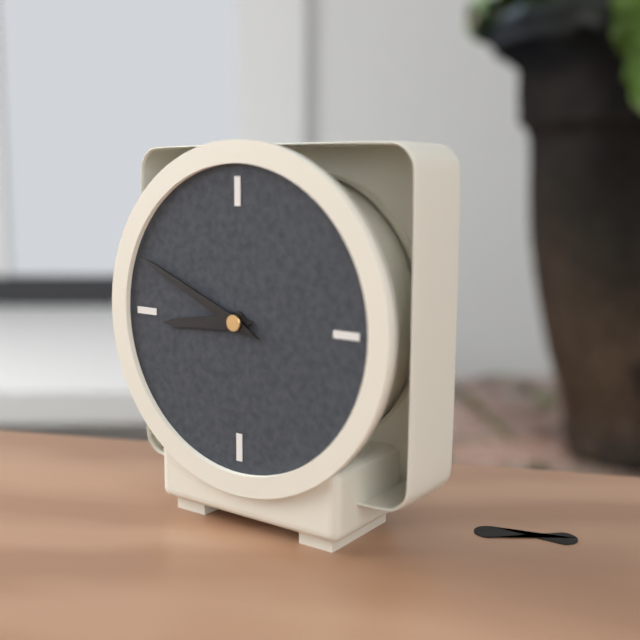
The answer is {"hour": 8, "minute": 49}
